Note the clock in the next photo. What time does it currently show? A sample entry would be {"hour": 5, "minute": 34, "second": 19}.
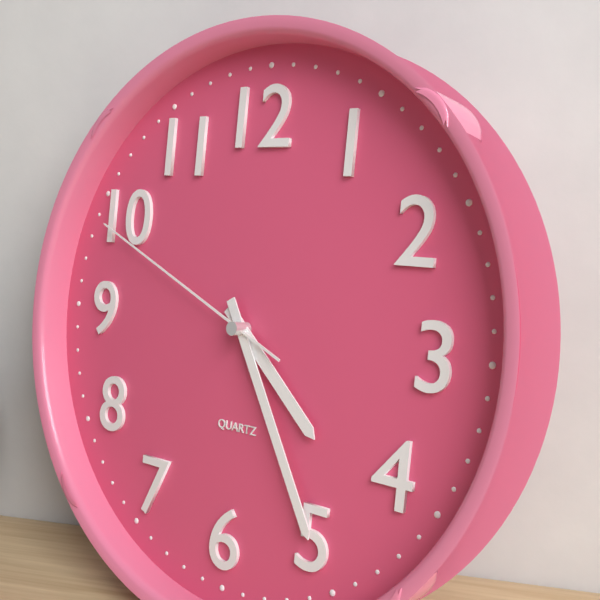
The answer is {"hour": 4, "minute": 25, "second": 49}
